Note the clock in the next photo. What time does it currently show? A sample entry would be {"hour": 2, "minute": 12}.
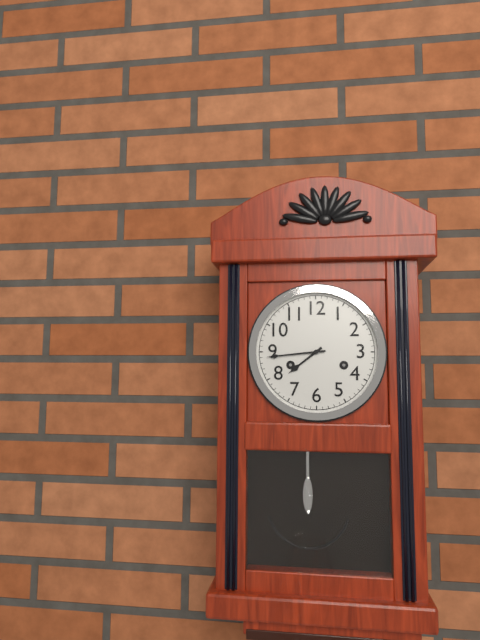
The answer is {"hour": 7, "minute": 44}
